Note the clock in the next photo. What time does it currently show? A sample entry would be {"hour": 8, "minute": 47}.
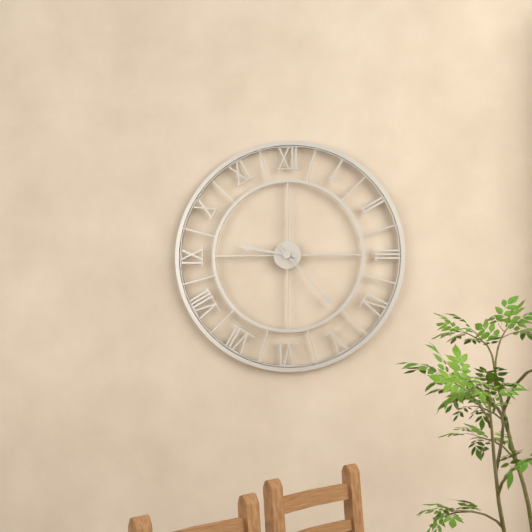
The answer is {"hour": 9, "minute": 23}
